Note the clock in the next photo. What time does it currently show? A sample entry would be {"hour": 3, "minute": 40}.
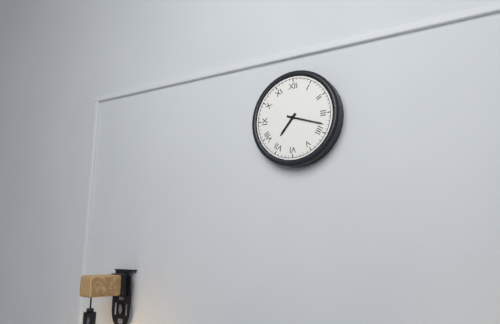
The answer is {"hour": 7, "minute": 18}
